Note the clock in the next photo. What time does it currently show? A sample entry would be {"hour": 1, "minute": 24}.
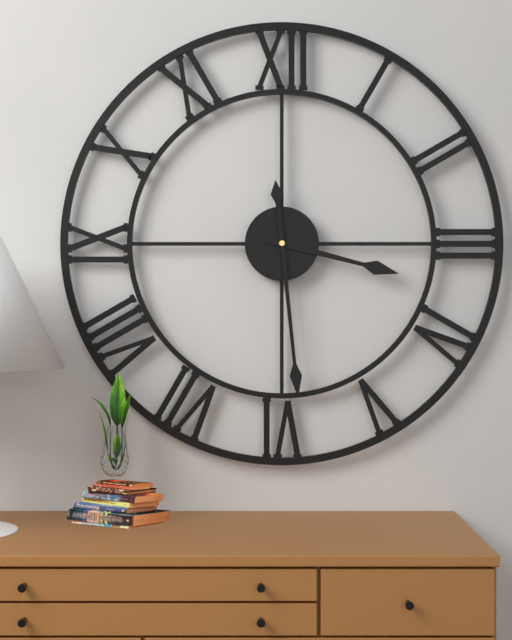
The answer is {"hour": 3, "minute": 29}
